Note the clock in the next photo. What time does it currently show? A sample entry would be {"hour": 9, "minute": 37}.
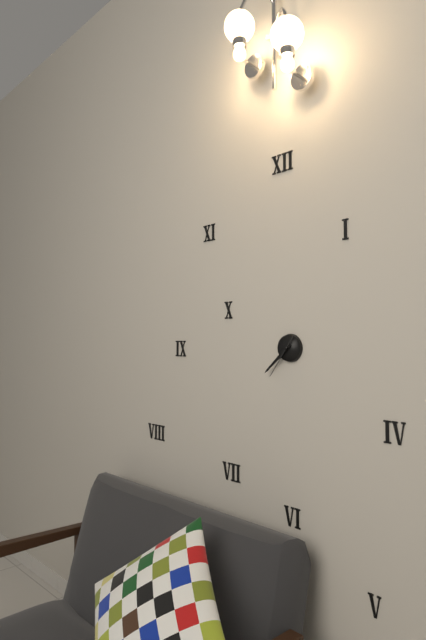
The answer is {"hour": 7, "minute": 38}
